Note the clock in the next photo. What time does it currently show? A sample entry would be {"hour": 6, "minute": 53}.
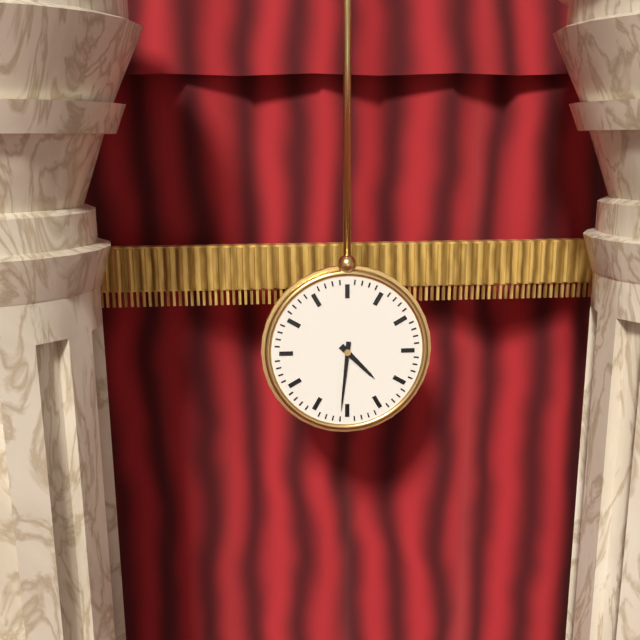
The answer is {"hour": 4, "minute": 31}
